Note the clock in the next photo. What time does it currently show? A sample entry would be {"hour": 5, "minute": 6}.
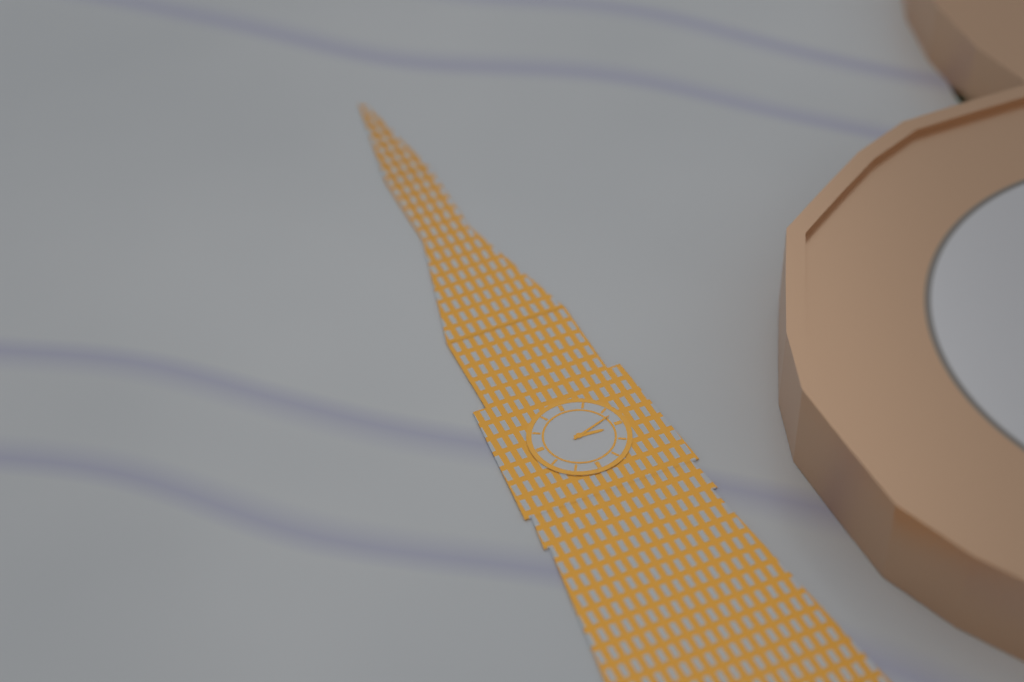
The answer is {"hour": 3, "minute": 12}
